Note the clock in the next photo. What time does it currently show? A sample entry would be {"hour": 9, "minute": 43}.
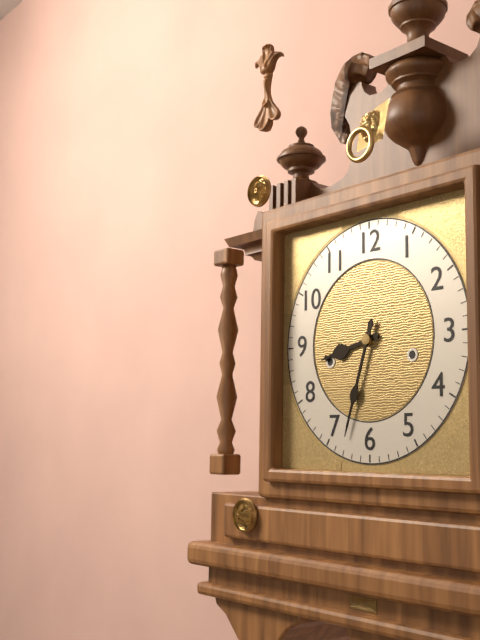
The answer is {"hour": 8, "minute": 33}
